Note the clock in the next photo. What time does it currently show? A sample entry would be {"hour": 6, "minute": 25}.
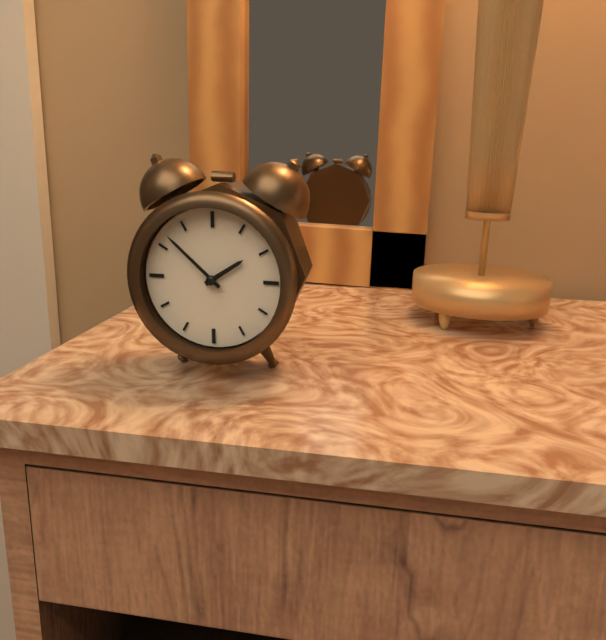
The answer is {"hour": 1, "minute": 52}
